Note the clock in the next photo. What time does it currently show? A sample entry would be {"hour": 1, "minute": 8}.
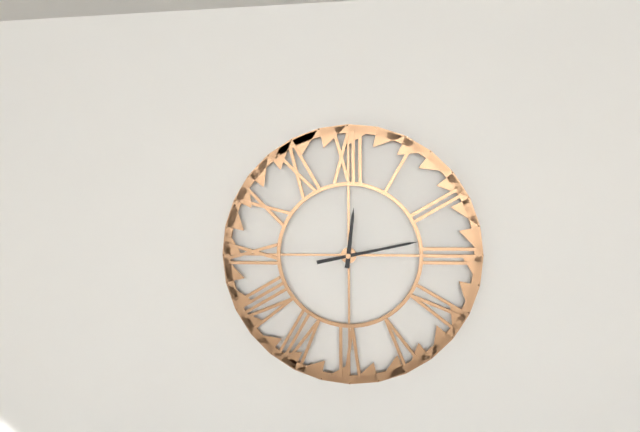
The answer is {"hour": 12, "minute": 13}
